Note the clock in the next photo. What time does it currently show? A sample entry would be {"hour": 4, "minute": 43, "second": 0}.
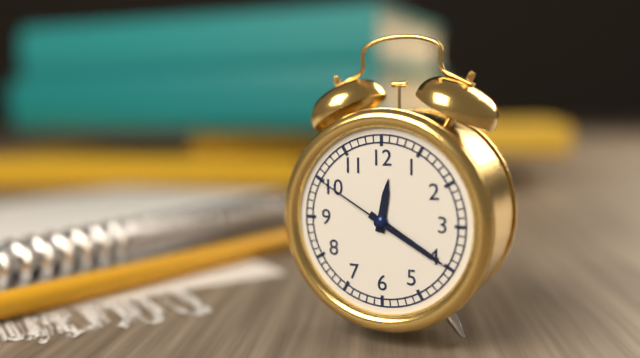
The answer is {"hour": 12, "minute": 20, "second": 50}
